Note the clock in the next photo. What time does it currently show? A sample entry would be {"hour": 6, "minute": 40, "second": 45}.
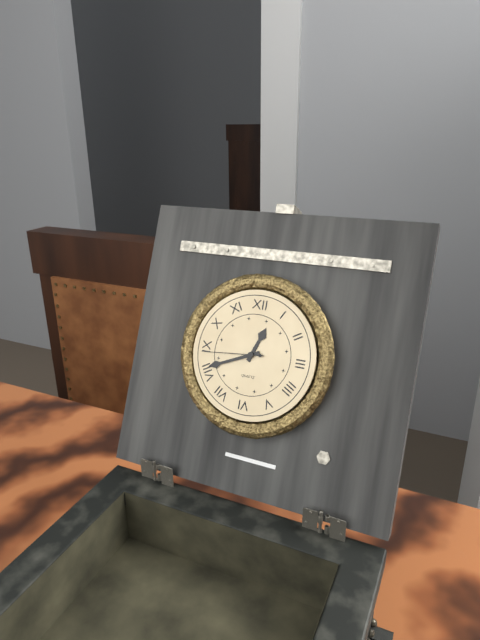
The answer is {"hour": 12, "minute": 41, "second": 44}
